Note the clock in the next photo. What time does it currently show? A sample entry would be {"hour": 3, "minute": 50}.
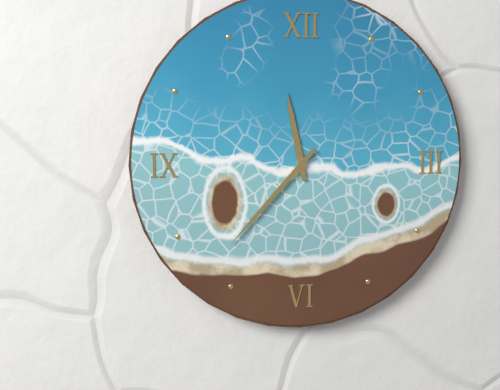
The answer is {"hour": 11, "minute": 37}
